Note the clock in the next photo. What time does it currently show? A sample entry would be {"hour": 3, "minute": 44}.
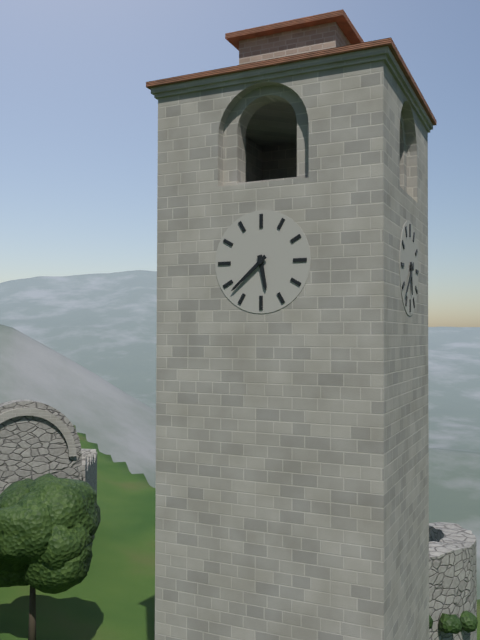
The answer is {"hour": 5, "minute": 38}
